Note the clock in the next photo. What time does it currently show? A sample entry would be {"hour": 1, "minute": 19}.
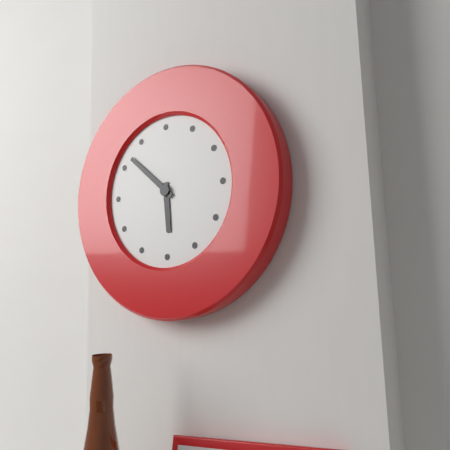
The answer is {"hour": 5, "minute": 52}
